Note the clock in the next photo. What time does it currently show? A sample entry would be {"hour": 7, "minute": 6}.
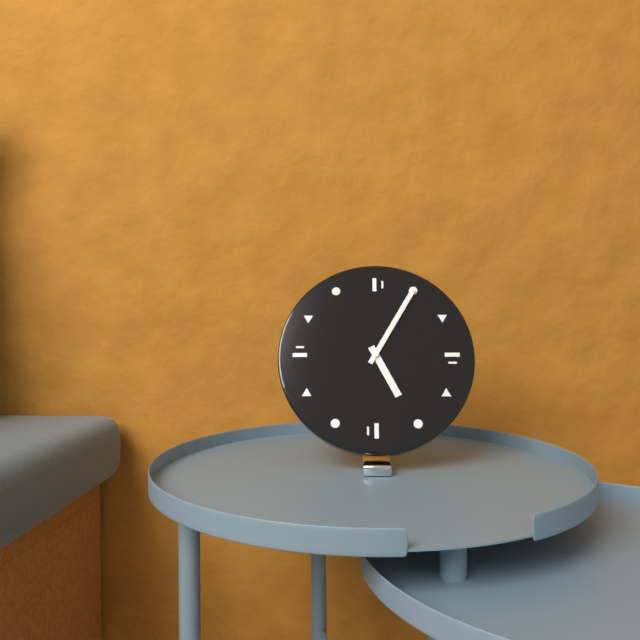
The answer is {"hour": 5, "minute": 5}
